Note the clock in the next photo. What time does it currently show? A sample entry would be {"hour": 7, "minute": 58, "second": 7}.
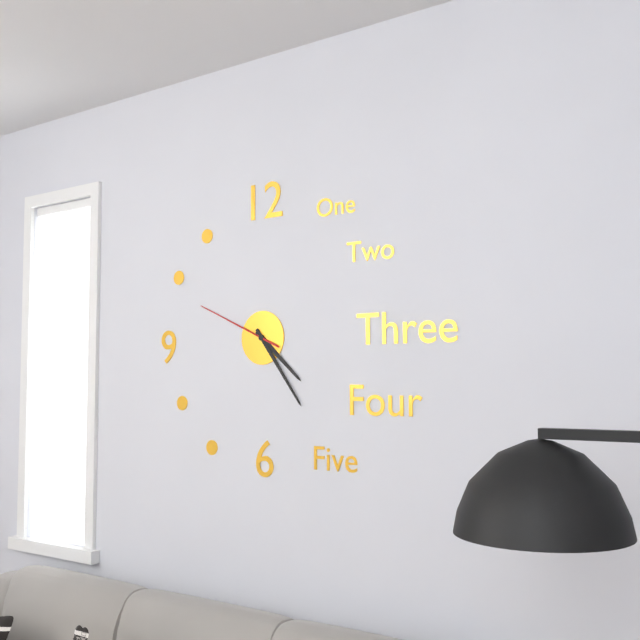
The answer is {"hour": 4, "minute": 24, "second": 49}
